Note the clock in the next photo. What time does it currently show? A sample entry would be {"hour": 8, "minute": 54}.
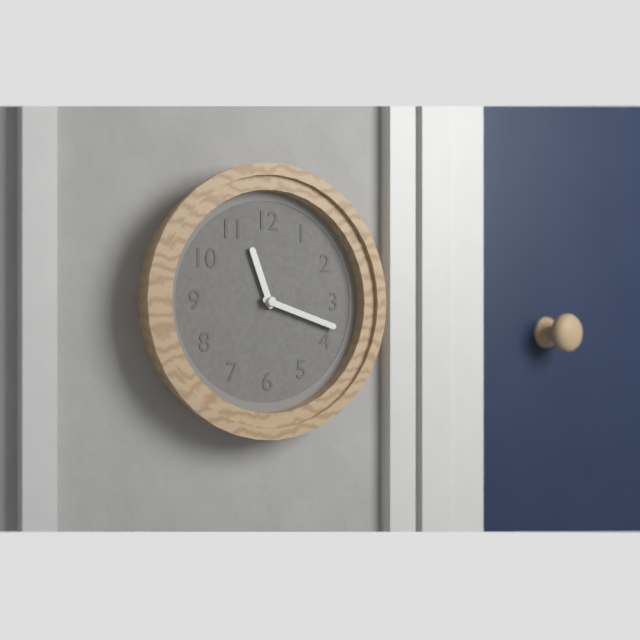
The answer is {"hour": 11, "minute": 18}
